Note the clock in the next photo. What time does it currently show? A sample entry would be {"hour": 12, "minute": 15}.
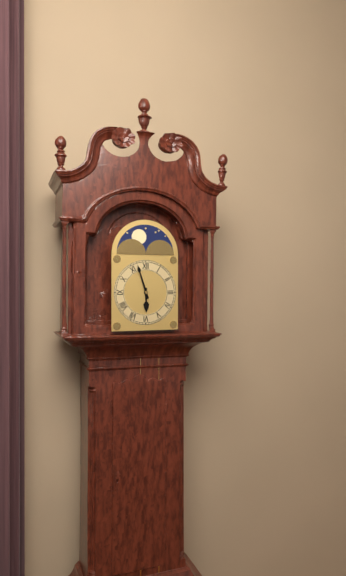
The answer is {"hour": 5, "minute": 57}
